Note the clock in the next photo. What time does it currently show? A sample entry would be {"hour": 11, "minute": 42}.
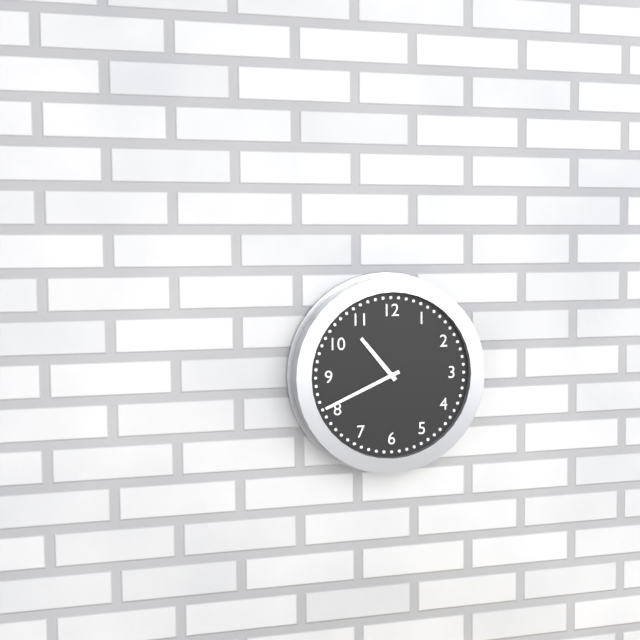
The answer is {"hour": 10, "minute": 41}
